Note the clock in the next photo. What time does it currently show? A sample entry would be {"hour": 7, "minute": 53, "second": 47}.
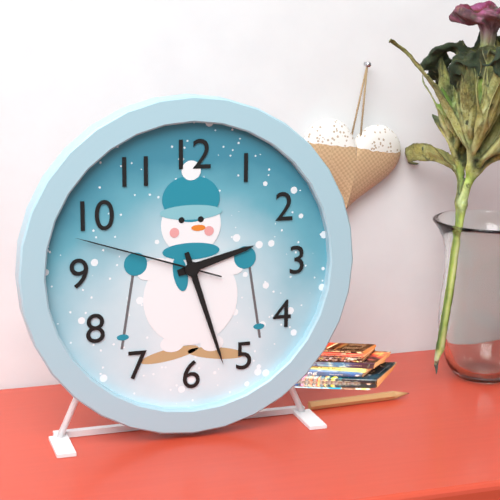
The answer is {"hour": 2, "minute": 27, "second": 48}
